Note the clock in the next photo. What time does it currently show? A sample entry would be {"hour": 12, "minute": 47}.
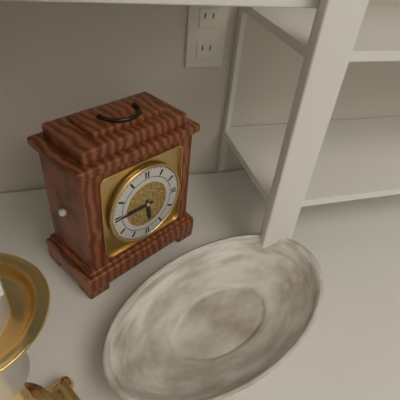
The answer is {"hour": 5, "minute": 45}
